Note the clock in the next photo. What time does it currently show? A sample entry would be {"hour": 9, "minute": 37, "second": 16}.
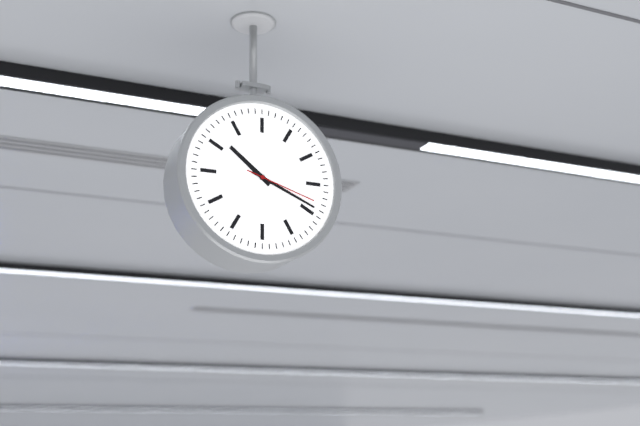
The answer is {"hour": 10, "minute": 19, "second": 18}
